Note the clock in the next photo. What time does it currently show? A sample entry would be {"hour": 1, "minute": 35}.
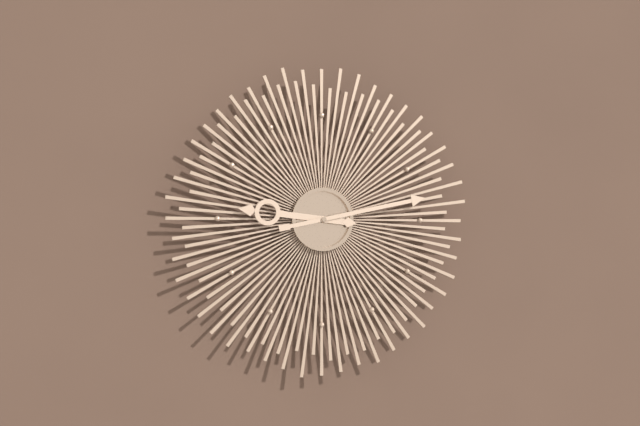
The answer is {"hour": 9, "minute": 13}
